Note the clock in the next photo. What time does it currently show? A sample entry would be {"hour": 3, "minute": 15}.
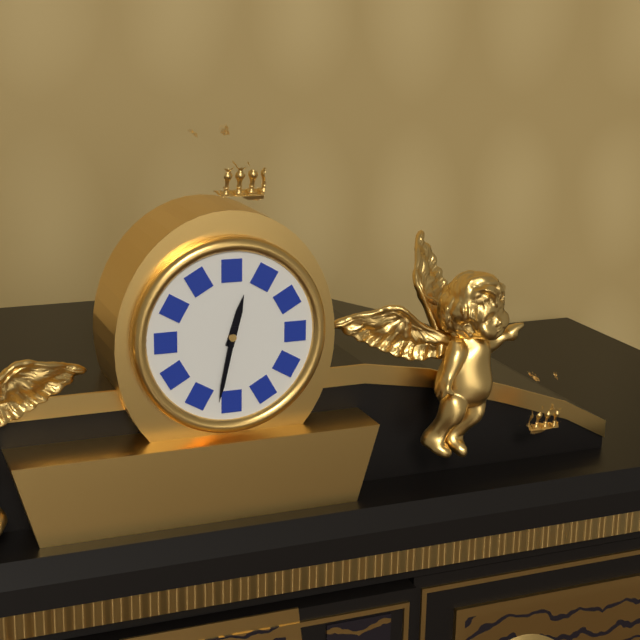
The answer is {"hour": 12, "minute": 32}
